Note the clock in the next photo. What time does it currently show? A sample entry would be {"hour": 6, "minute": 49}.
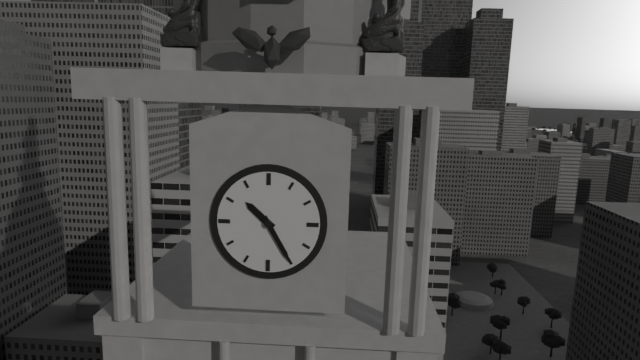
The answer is {"hour": 10, "minute": 25}
